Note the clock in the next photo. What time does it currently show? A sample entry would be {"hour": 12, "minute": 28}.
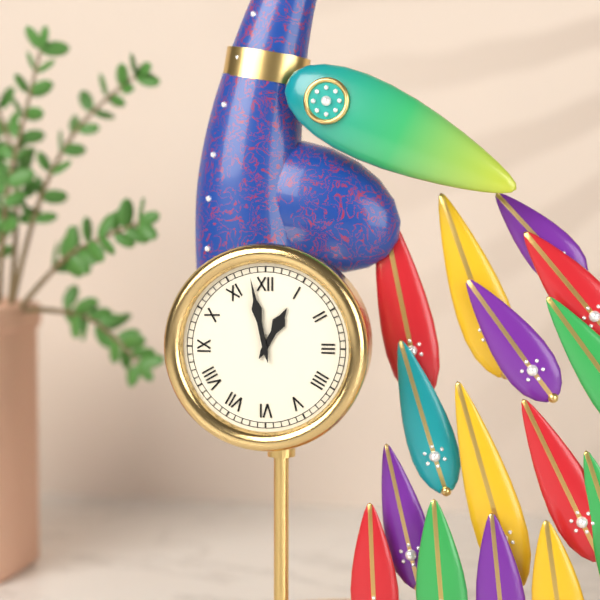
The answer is {"hour": 12, "minute": 58}
